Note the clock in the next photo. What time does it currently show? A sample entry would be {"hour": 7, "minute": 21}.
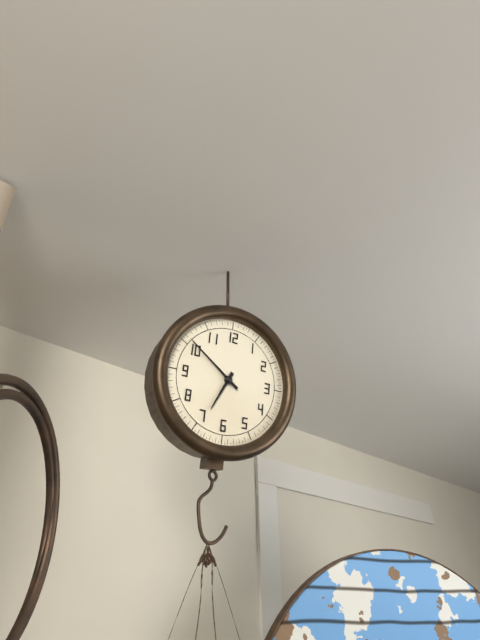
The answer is {"hour": 6, "minute": 51}
